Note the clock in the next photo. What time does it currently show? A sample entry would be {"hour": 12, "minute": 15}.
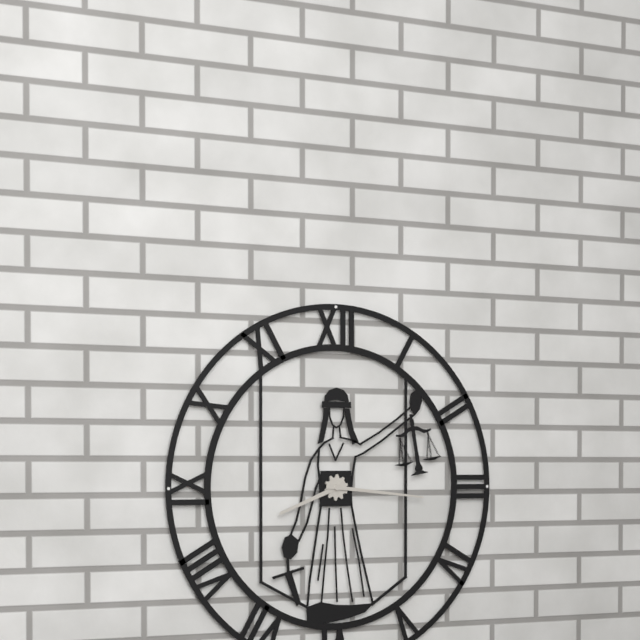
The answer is {"hour": 8, "minute": 16}
